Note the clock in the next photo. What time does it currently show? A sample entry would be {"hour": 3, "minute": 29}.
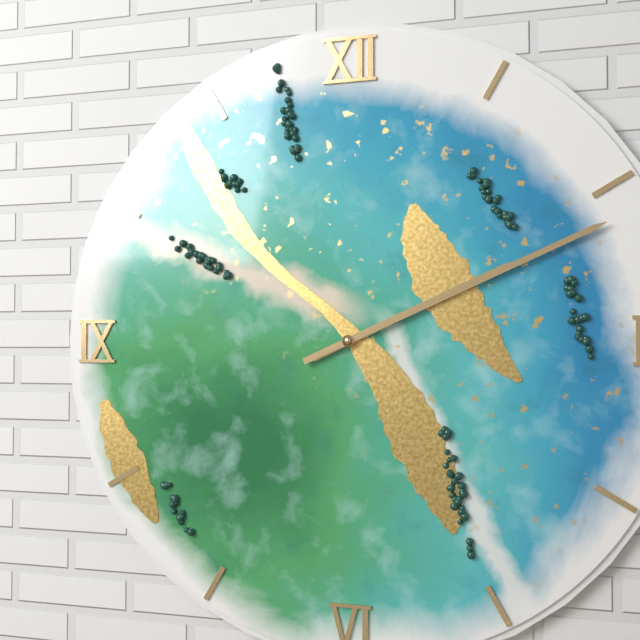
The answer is {"hour": 2, "minute": 11}
